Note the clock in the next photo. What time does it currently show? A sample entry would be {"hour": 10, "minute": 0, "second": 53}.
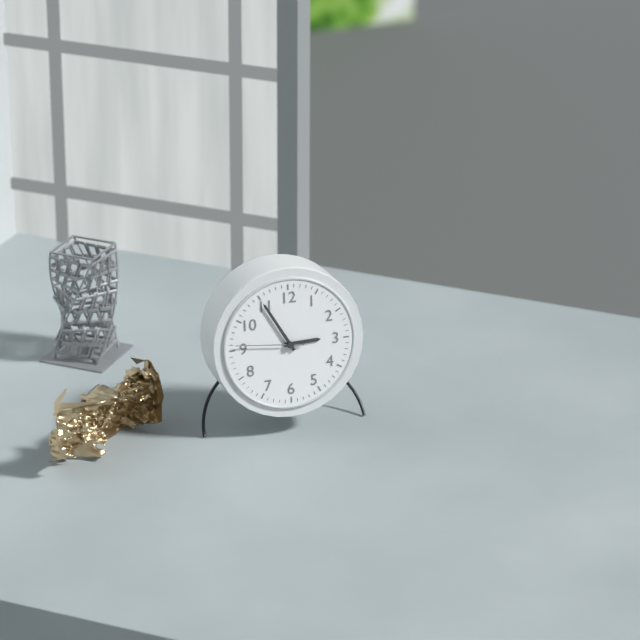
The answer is {"hour": 2, "minute": 55, "second": 46}
